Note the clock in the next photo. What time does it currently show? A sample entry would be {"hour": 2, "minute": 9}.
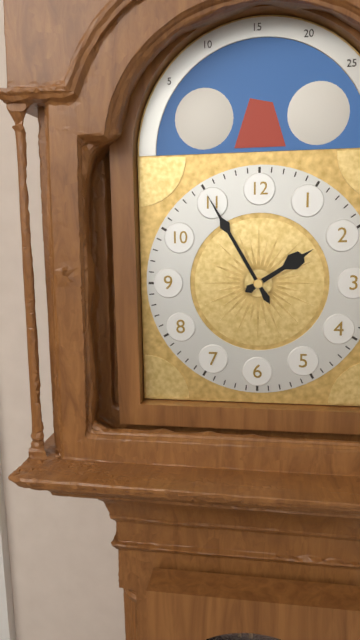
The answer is {"hour": 1, "minute": 55}
